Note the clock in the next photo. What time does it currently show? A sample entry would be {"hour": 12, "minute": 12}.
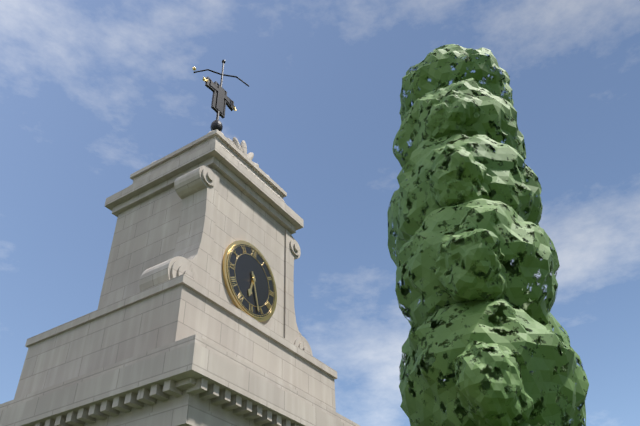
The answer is {"hour": 6, "minute": 27}
